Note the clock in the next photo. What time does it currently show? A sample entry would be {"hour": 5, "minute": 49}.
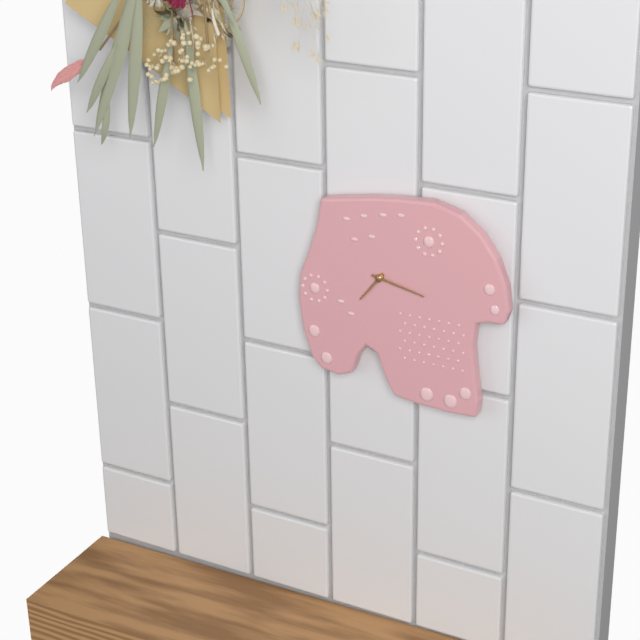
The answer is {"hour": 7, "minute": 17}
